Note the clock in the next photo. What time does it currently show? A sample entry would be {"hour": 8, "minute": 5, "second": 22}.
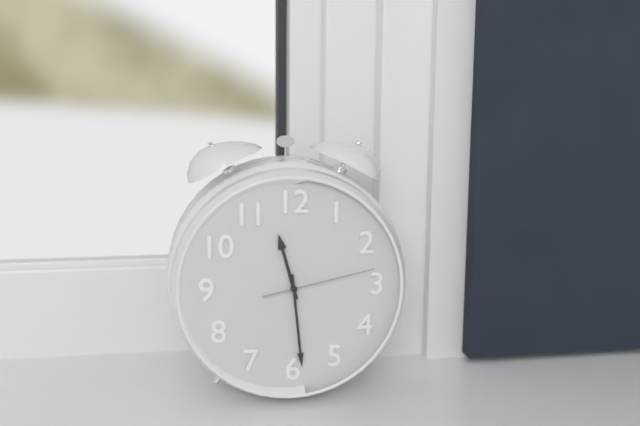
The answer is {"hour": 11, "minute": 29, "second": 13}
